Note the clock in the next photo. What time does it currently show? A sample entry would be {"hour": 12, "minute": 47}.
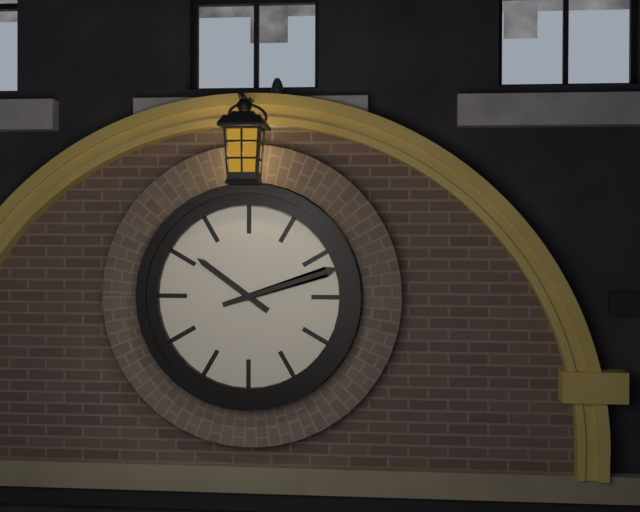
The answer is {"hour": 10, "minute": 12}
